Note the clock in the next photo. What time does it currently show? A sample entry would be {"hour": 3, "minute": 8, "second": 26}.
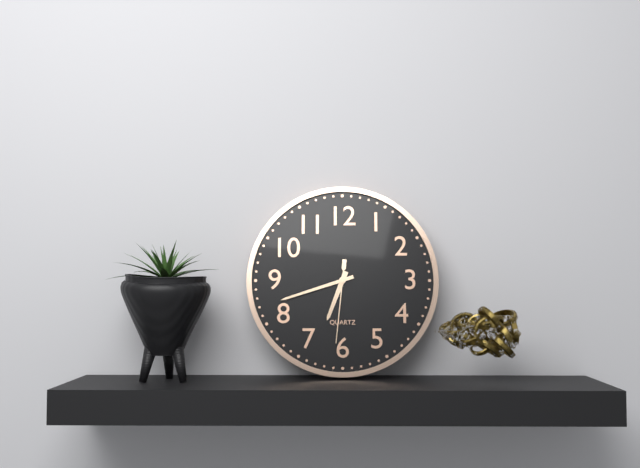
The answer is {"hour": 6, "minute": 42, "second": 31}
